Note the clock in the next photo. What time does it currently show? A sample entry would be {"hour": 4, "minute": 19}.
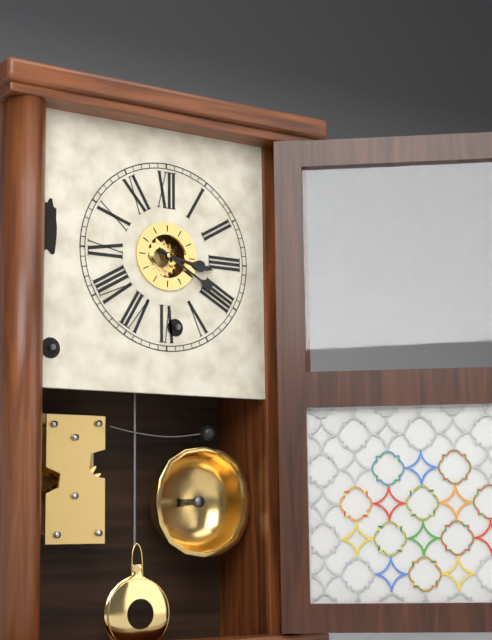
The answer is {"hour": 3, "minute": 20}
